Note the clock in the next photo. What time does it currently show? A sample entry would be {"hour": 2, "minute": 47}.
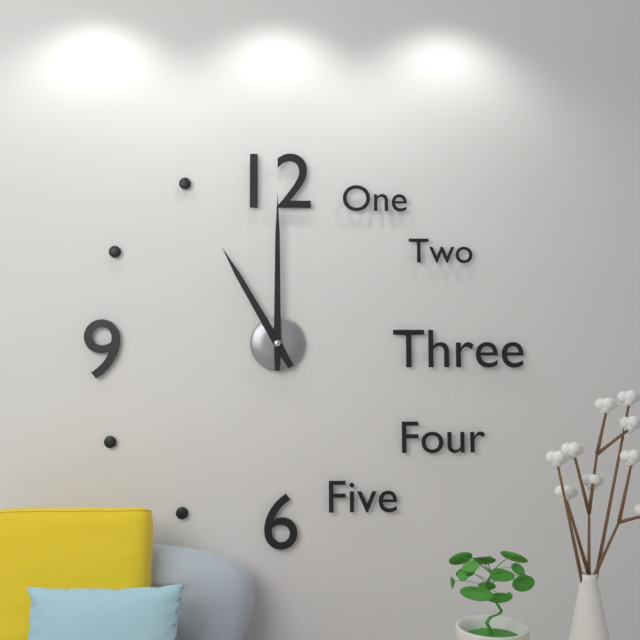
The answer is {"hour": 11, "minute": 0}
